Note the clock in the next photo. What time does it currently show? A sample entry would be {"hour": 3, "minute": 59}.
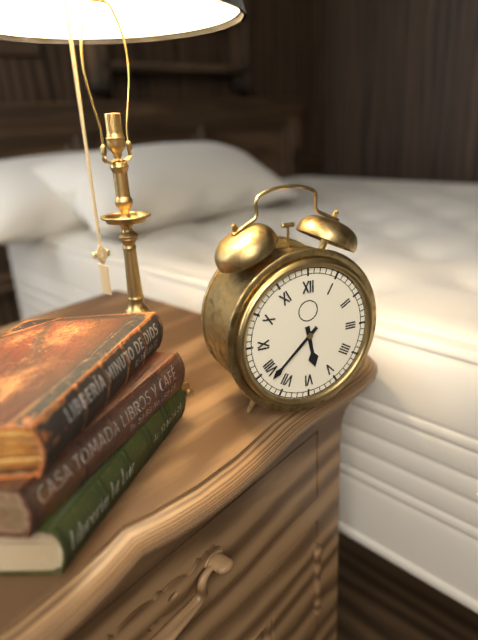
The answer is {"hour": 5, "minute": 38}
